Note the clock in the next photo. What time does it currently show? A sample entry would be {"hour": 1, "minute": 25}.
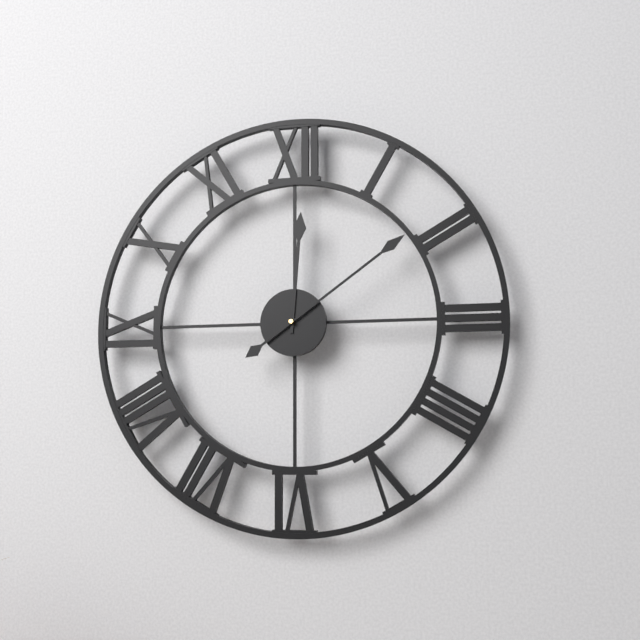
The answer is {"hour": 12, "minute": 9}
